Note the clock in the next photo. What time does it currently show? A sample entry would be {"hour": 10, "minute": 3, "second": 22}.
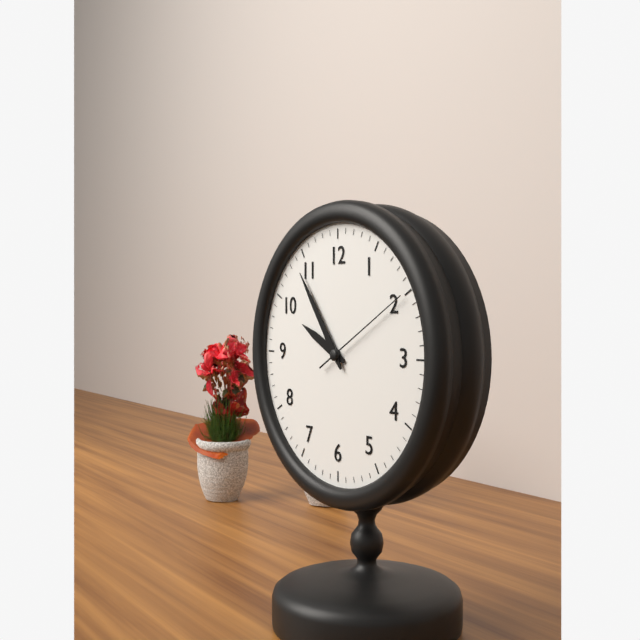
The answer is {"hour": 9, "minute": 54, "second": 10}
